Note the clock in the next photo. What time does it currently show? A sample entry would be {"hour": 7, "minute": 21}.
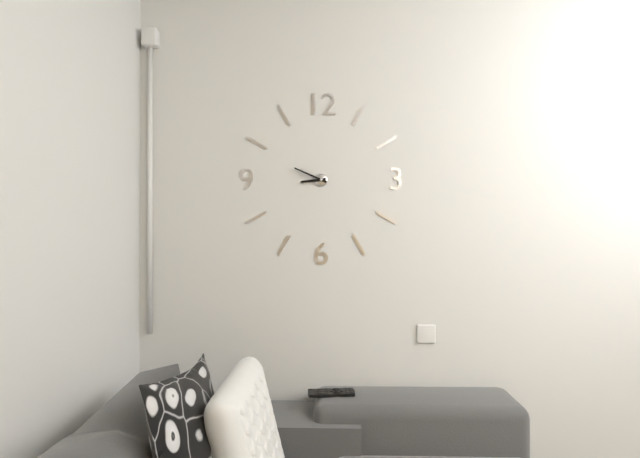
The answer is {"hour": 8, "minute": 49}
